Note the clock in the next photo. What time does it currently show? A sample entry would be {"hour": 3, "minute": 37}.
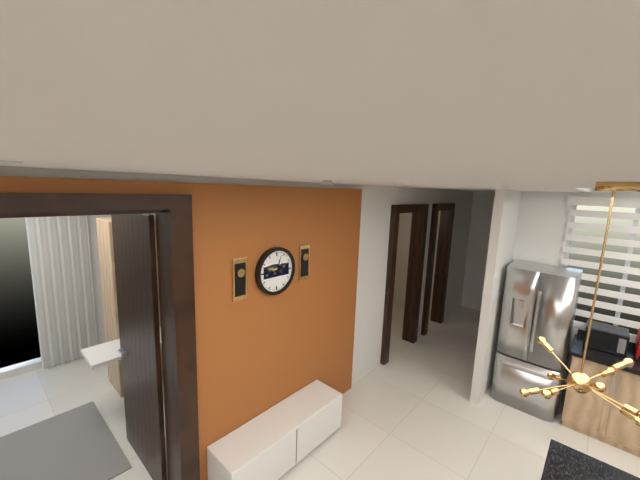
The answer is {"hour": 4, "minute": 3}
